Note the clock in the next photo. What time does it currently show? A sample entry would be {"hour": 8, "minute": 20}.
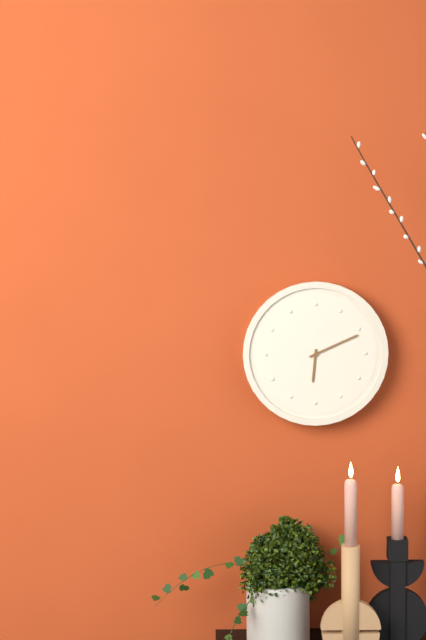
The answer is {"hour": 6, "minute": 11}
